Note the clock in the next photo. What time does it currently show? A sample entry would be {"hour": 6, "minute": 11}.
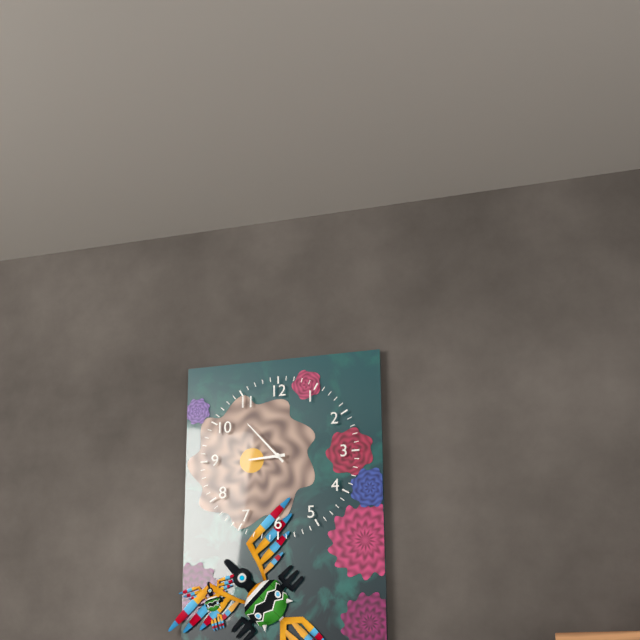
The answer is {"hour": 8, "minute": 53}
